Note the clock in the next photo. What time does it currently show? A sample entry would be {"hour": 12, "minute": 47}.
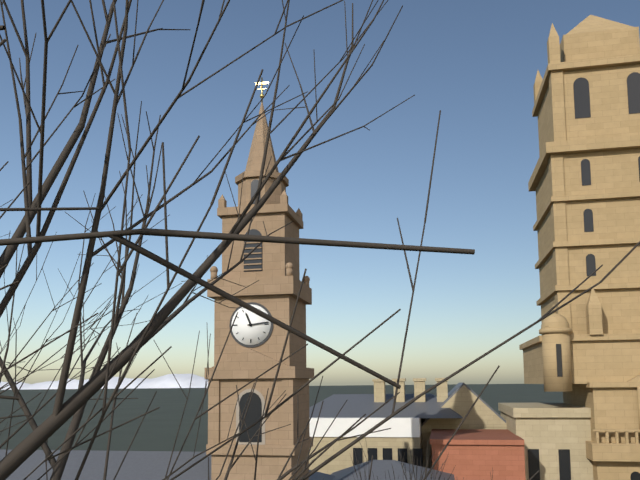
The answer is {"hour": 11, "minute": 14}
